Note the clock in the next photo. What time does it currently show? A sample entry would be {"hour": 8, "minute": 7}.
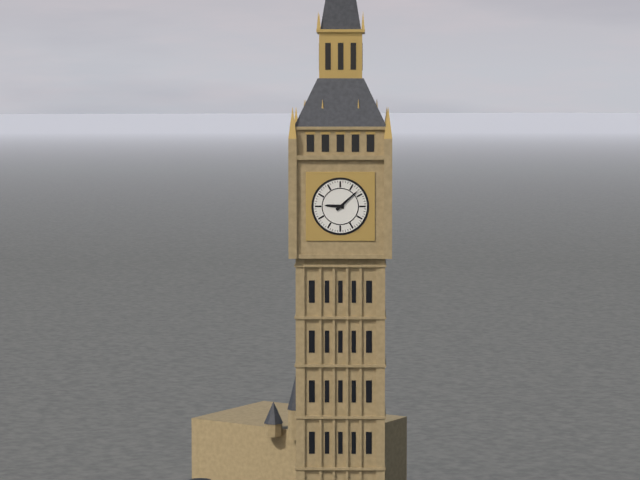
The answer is {"hour": 9, "minute": 8}
